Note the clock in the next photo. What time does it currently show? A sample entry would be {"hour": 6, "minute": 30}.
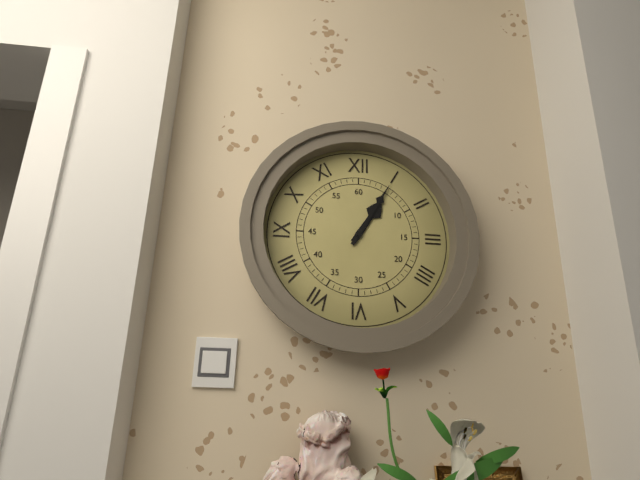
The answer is {"hour": 1, "minute": 5}
